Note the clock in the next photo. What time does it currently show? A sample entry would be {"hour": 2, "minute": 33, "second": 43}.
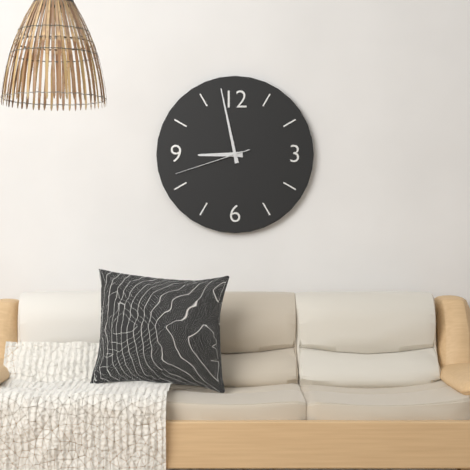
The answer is {"hour": 8, "minute": 58, "second": 42}
